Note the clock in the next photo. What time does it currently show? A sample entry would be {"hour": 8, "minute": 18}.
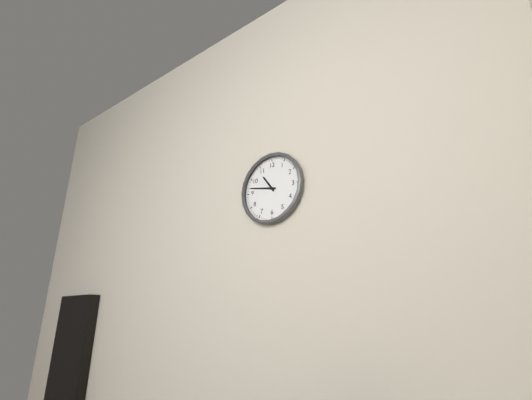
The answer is {"hour": 10, "minute": 47}
